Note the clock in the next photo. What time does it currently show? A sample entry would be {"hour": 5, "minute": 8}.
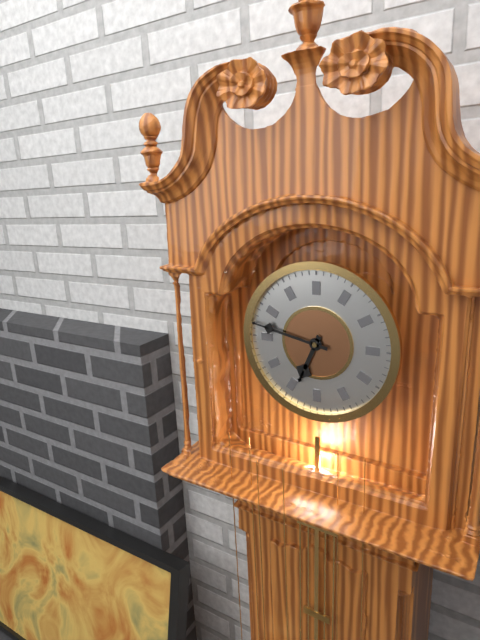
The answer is {"hour": 6, "minute": 47}
